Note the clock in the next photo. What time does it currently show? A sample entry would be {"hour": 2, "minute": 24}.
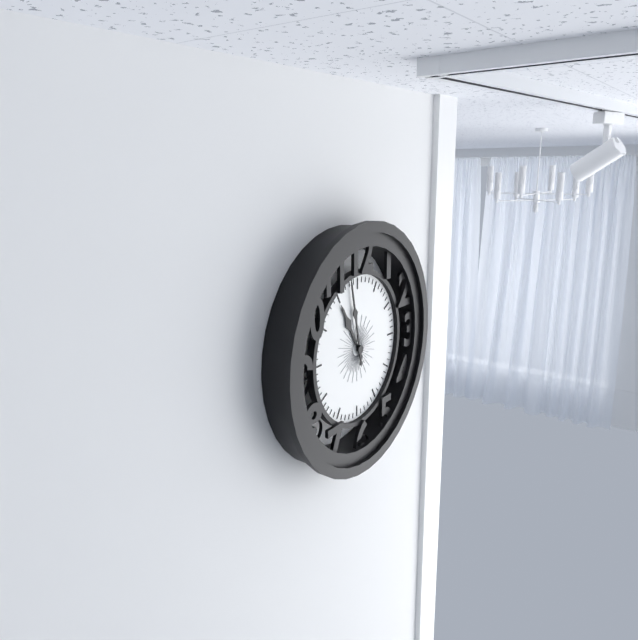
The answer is {"hour": 10, "minute": 58}
